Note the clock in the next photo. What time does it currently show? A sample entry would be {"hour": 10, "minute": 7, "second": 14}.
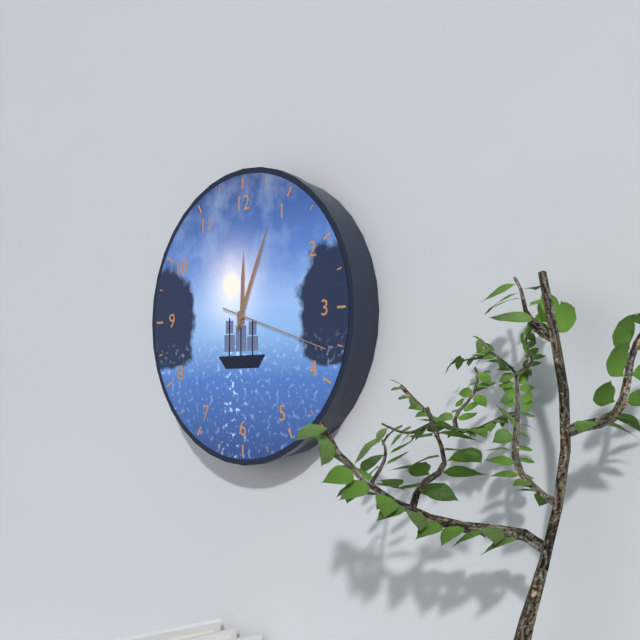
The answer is {"hour": 12, "minute": 4, "second": 18}
